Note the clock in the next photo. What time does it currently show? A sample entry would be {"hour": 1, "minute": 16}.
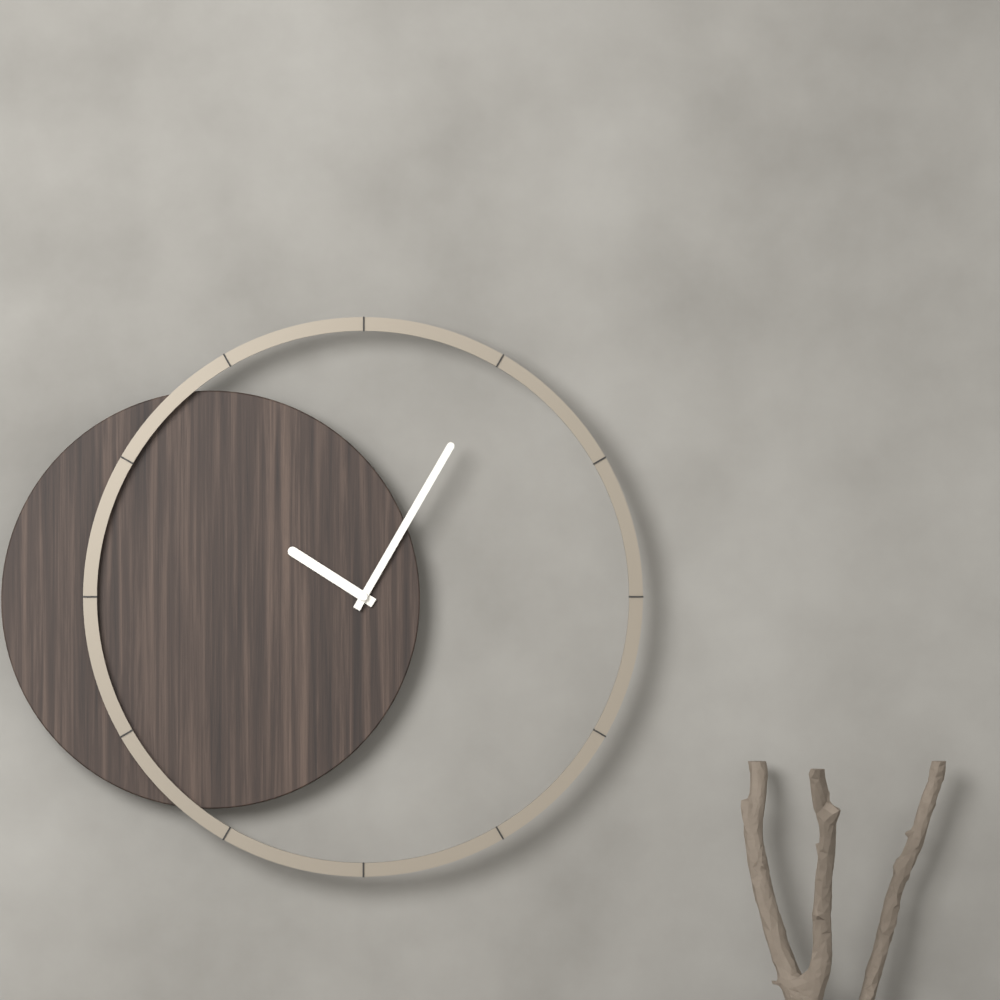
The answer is {"hour": 10, "minute": 5}
